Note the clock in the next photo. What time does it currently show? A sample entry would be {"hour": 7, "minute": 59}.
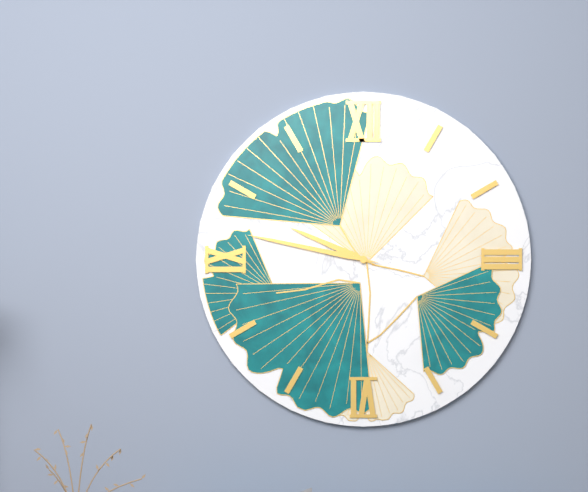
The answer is {"hour": 9, "minute": 47}
